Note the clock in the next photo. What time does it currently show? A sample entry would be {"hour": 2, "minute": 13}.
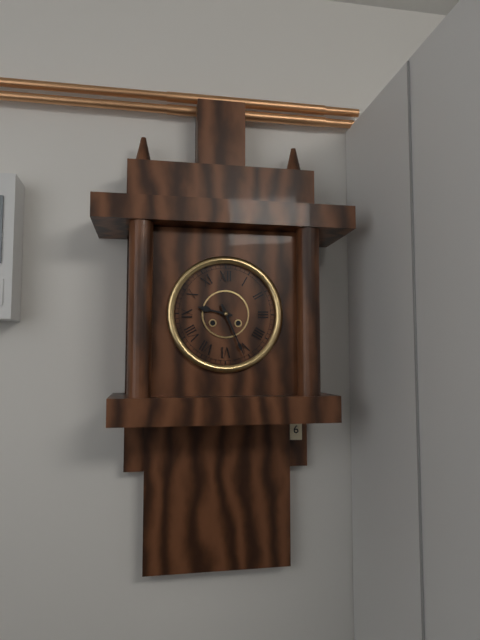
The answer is {"hour": 9, "minute": 26}
